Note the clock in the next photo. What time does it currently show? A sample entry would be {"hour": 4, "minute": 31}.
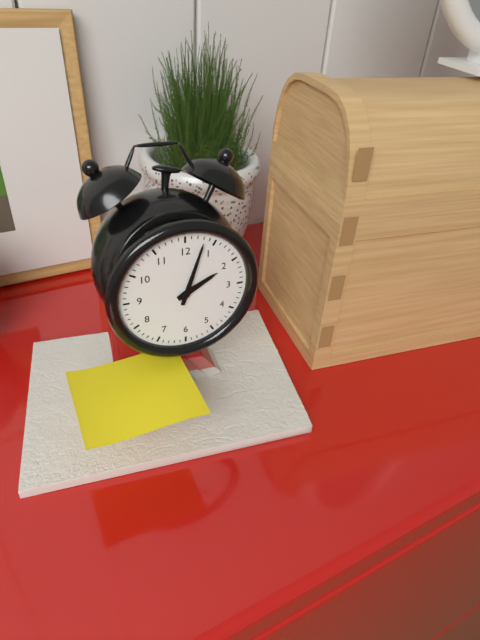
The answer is {"hour": 2, "minute": 3}
